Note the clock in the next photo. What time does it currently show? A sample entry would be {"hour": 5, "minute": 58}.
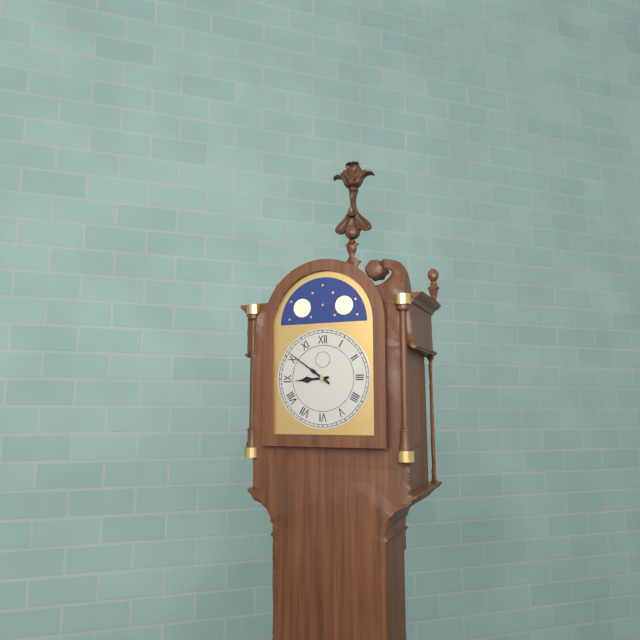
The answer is {"hour": 8, "minute": 51}
